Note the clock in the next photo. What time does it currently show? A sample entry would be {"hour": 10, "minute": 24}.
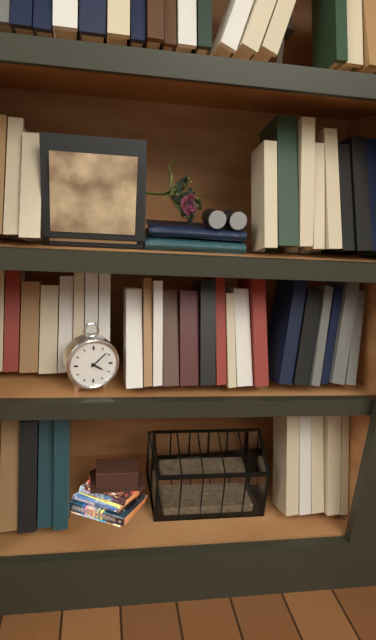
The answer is {"hour": 4, "minute": 8}
